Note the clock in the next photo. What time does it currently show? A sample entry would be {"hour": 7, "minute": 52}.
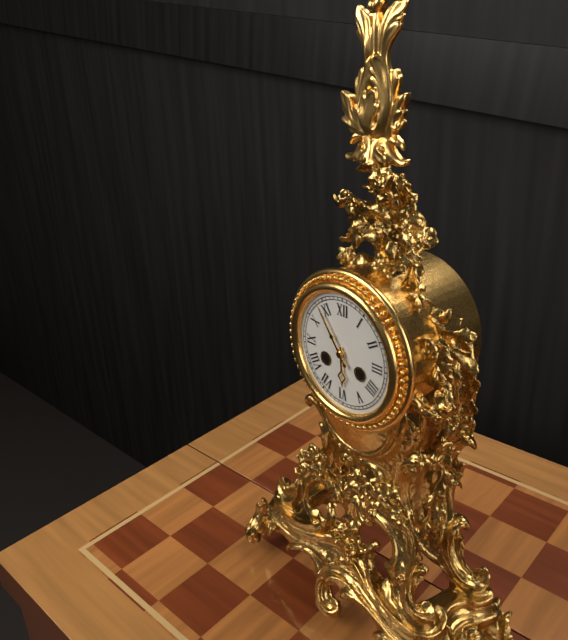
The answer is {"hour": 5, "minute": 54}
